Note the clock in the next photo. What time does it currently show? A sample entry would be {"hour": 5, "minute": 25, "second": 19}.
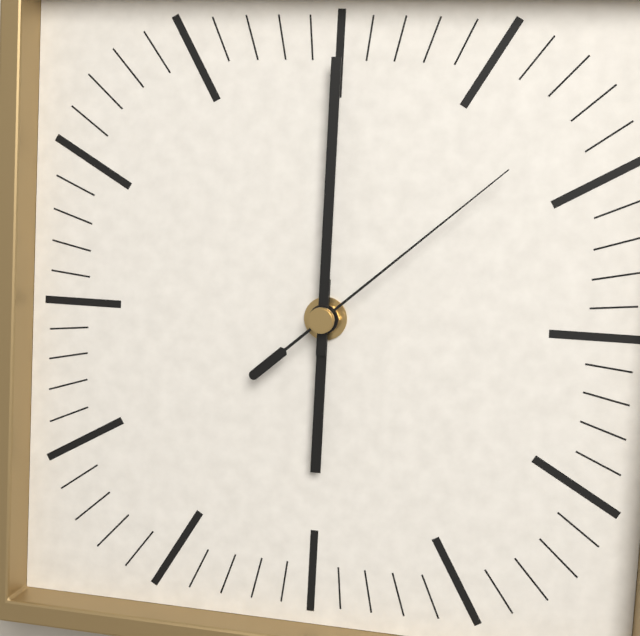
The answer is {"hour": 6, "minute": 0, "second": 8}
